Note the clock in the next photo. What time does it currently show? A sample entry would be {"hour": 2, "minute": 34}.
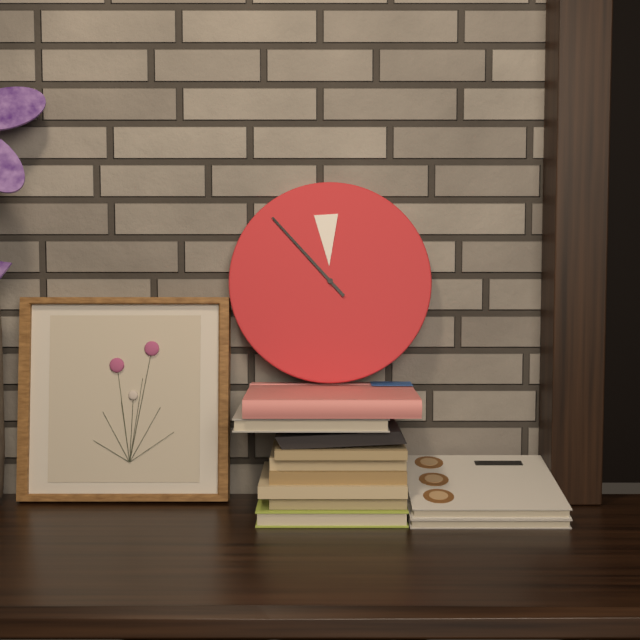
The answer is {"hour": 11, "minute": 53}
